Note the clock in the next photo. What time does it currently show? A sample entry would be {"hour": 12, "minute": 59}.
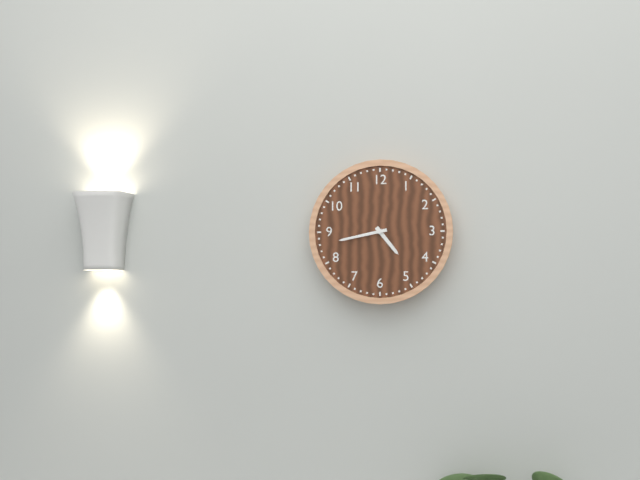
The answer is {"hour": 4, "minute": 43}
